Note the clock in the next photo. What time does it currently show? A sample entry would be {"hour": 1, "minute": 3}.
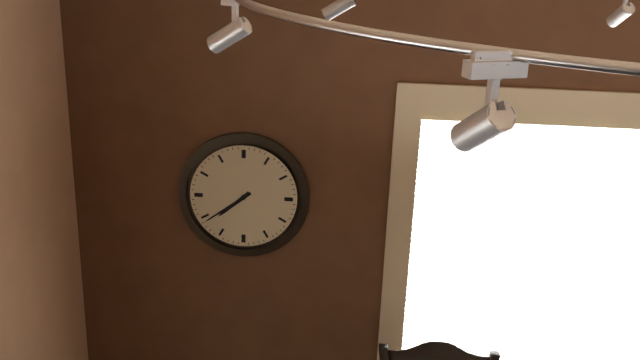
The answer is {"hour": 7, "minute": 39}
